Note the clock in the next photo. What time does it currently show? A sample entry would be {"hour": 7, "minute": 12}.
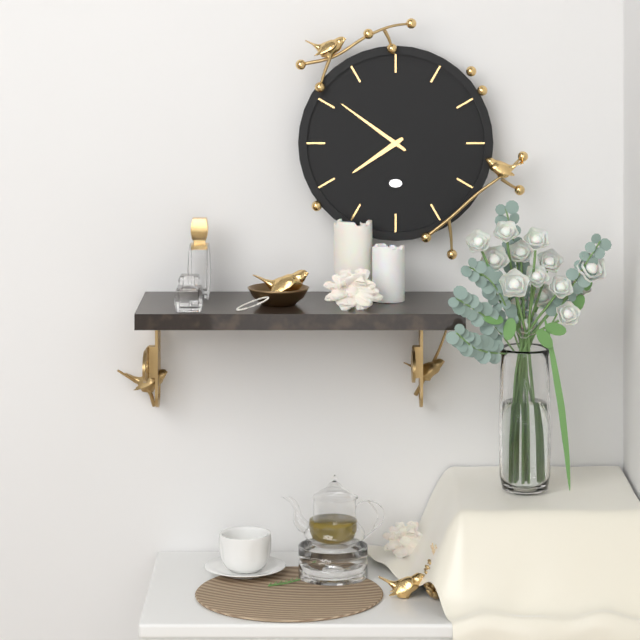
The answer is {"hour": 7, "minute": 51}
